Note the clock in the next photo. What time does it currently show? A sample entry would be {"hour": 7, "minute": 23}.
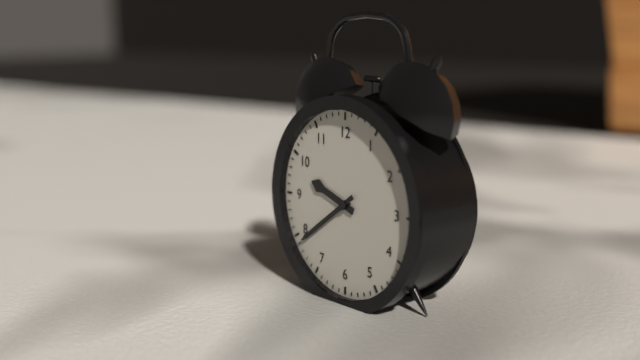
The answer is {"hour": 9, "minute": 39}
